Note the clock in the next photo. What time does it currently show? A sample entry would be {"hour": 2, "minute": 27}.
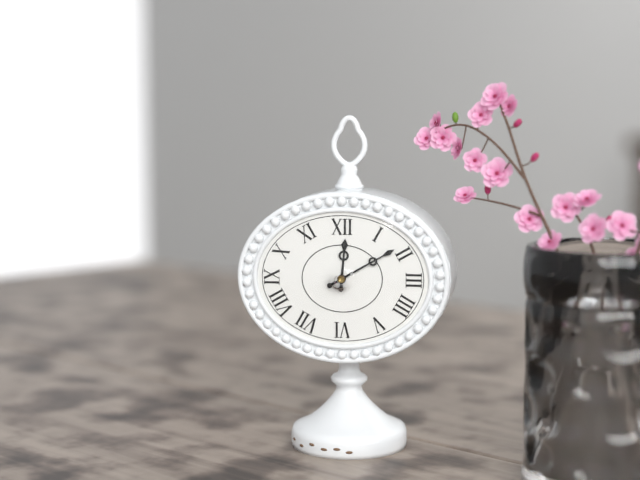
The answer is {"hour": 12, "minute": 10}
